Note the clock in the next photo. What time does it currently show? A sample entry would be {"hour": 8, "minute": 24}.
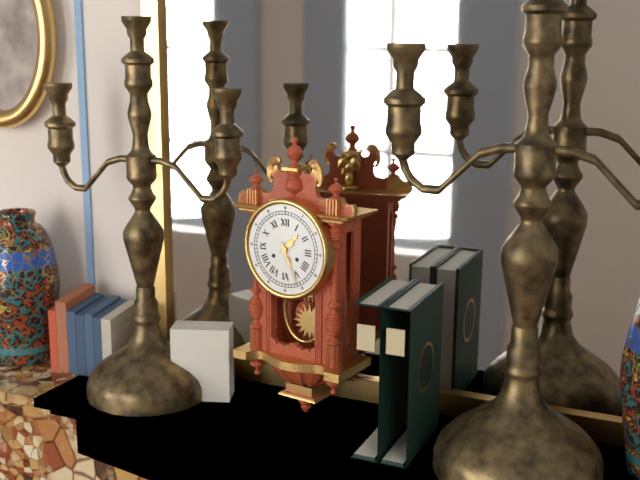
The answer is {"hour": 1, "minute": 26}
